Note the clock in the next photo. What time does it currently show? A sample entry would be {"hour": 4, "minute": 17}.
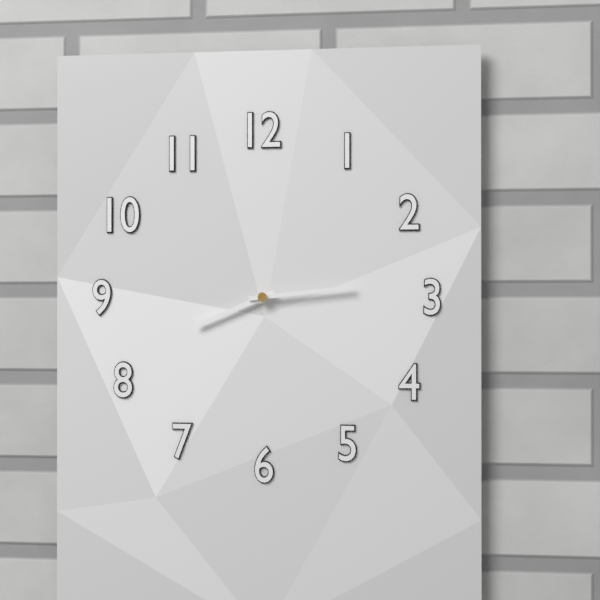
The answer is {"hour": 8, "minute": 14}
